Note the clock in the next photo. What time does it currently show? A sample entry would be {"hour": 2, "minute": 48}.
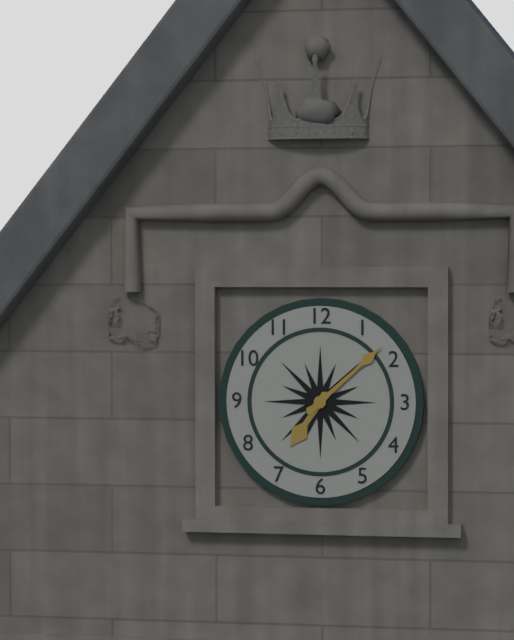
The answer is {"hour": 7, "minute": 8}
